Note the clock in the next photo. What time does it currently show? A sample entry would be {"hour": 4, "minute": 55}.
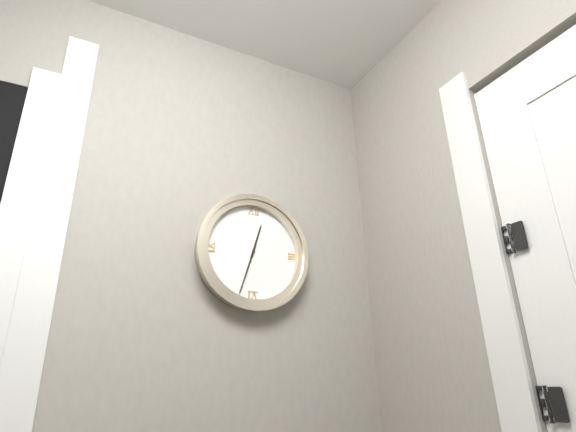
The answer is {"hour": 12, "minute": 33}
